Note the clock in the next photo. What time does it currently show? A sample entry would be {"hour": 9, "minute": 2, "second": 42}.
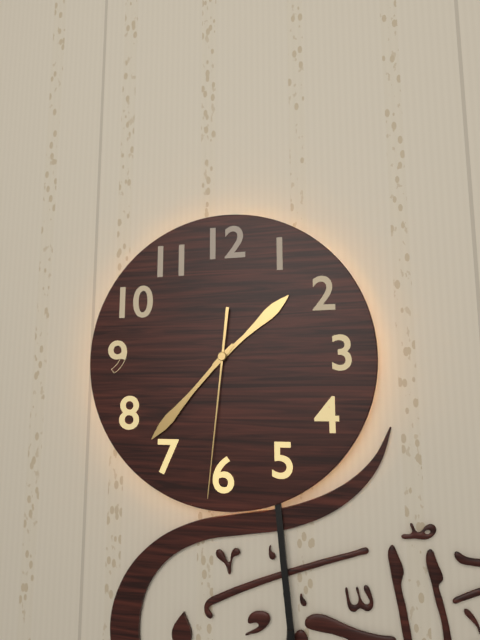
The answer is {"hour": 1, "minute": 37, "second": 31}
